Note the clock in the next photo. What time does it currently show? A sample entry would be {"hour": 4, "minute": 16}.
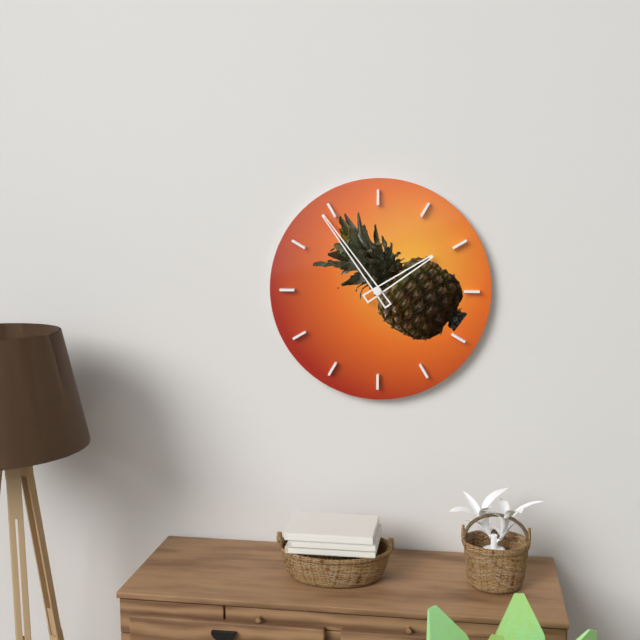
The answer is {"hour": 1, "minute": 54}
